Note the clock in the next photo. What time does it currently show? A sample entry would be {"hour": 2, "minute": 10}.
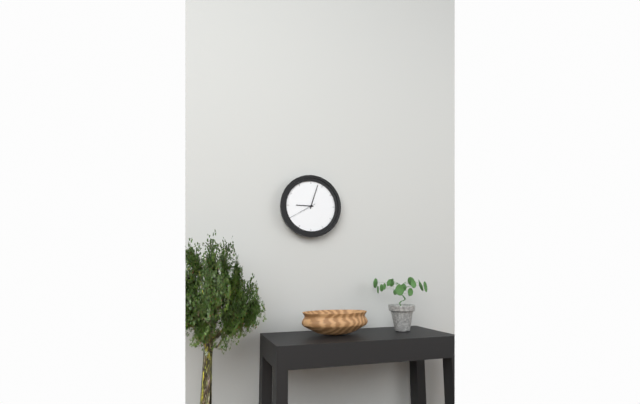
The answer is {"hour": 9, "minute": 3}
